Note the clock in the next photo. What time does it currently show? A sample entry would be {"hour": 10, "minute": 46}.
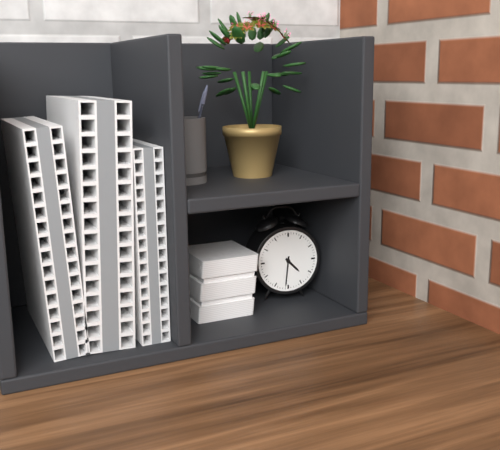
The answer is {"hour": 4, "minute": 31}
